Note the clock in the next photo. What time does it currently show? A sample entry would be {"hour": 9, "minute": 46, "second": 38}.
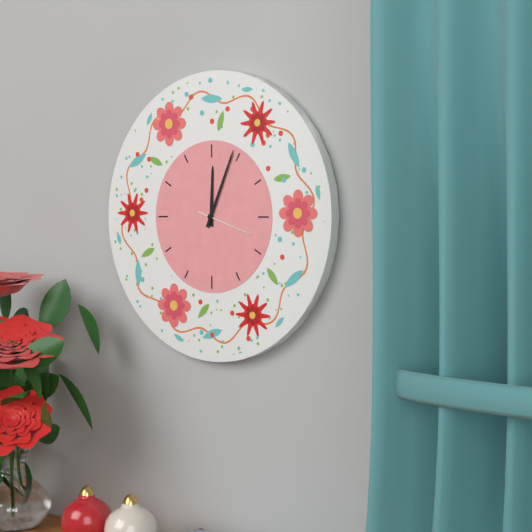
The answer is {"hour": 12, "minute": 4, "second": 18}
